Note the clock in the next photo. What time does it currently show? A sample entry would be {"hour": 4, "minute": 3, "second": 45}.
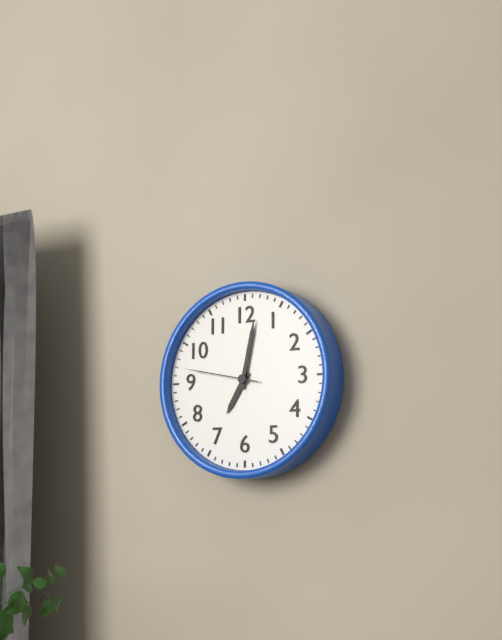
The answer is {"hour": 7, "minute": 2, "second": 47}
